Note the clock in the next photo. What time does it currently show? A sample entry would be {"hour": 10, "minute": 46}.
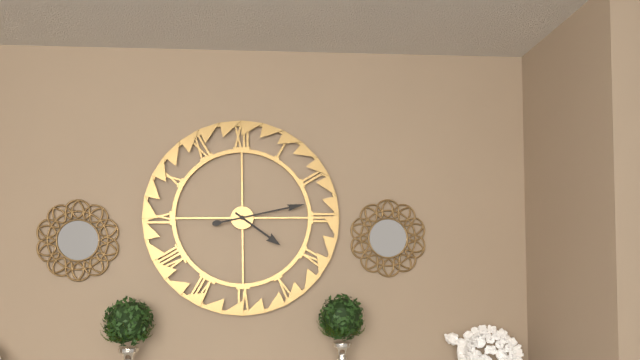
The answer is {"hour": 4, "minute": 13}
